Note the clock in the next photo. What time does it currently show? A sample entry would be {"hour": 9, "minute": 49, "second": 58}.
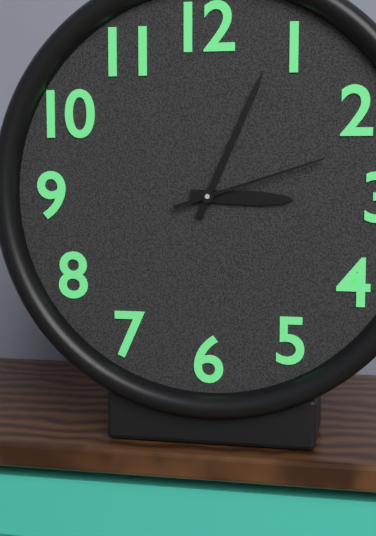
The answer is {"hour": 3, "minute": 4, "second": 12}
